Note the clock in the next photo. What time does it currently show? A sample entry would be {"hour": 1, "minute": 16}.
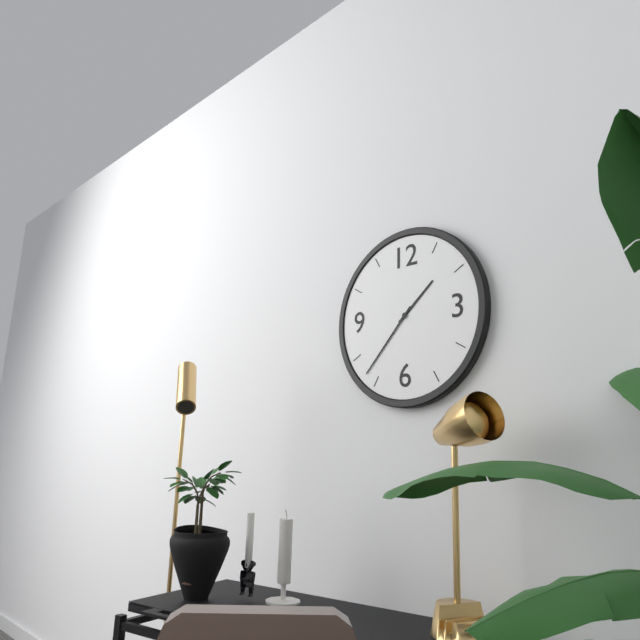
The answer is {"hour": 1, "minute": 37}
